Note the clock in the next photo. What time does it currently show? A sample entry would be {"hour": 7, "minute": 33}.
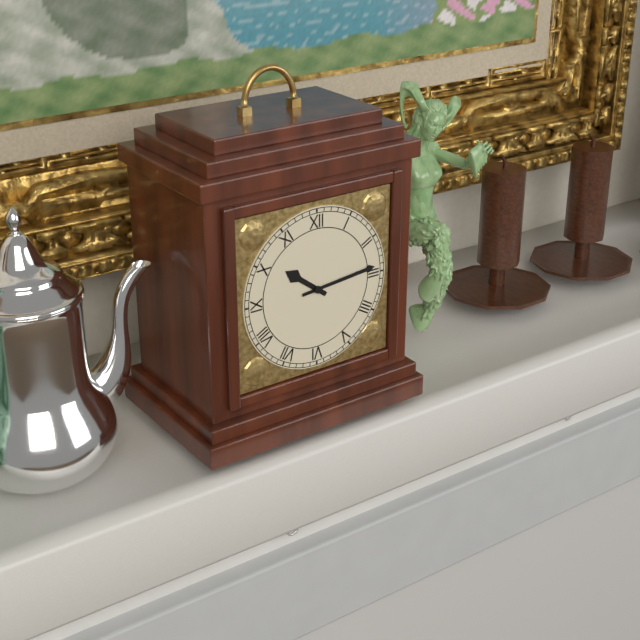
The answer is {"hour": 10, "minute": 14}
